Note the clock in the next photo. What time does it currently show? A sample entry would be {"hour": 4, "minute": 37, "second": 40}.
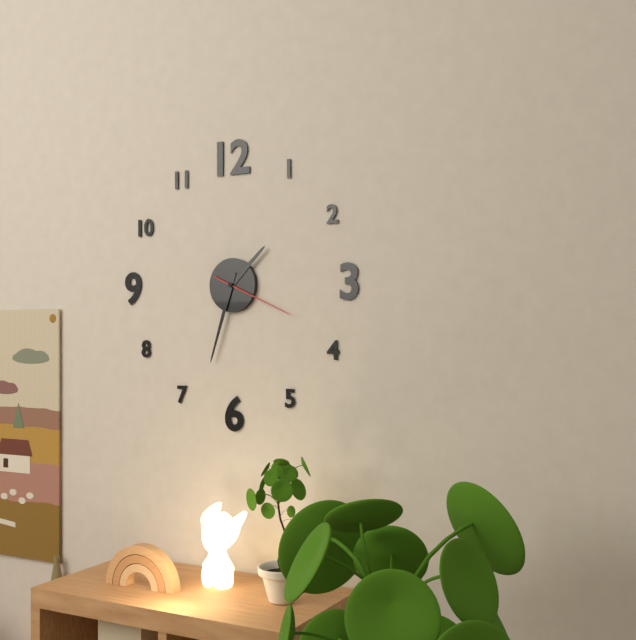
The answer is {"hour": 1, "minute": 33, "second": 19}
